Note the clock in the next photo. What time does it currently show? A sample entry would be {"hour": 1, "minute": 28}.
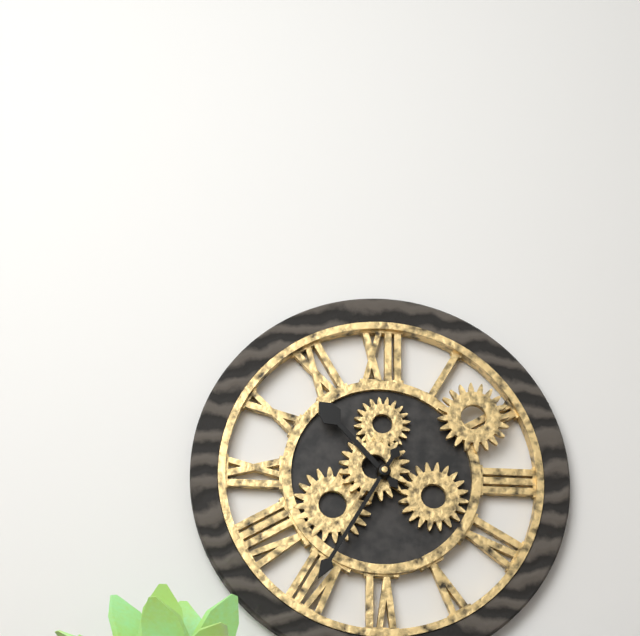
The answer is {"hour": 10, "minute": 35}
